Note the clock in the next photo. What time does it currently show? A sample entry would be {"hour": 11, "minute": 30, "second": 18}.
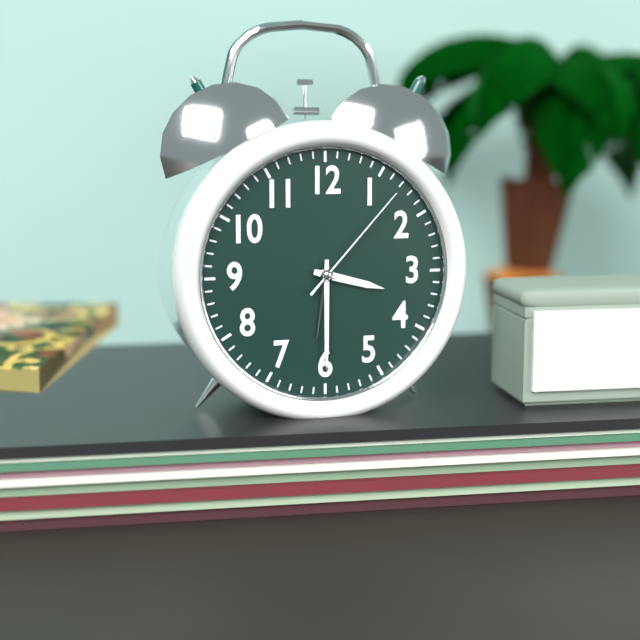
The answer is {"hour": 3, "minute": 30, "second": 7}
